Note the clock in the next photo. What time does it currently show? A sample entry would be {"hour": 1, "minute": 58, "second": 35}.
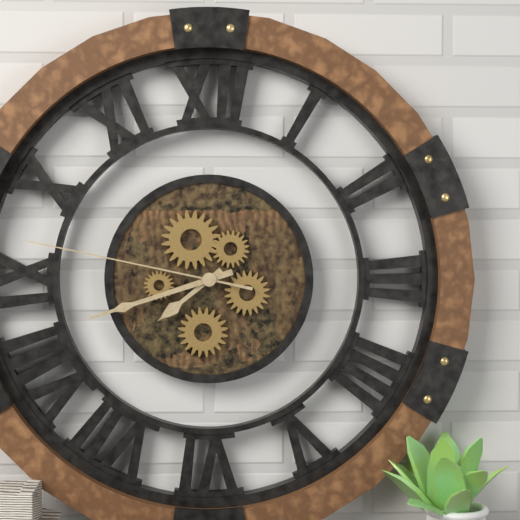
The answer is {"hour": 7, "minute": 42, "second": 47}
